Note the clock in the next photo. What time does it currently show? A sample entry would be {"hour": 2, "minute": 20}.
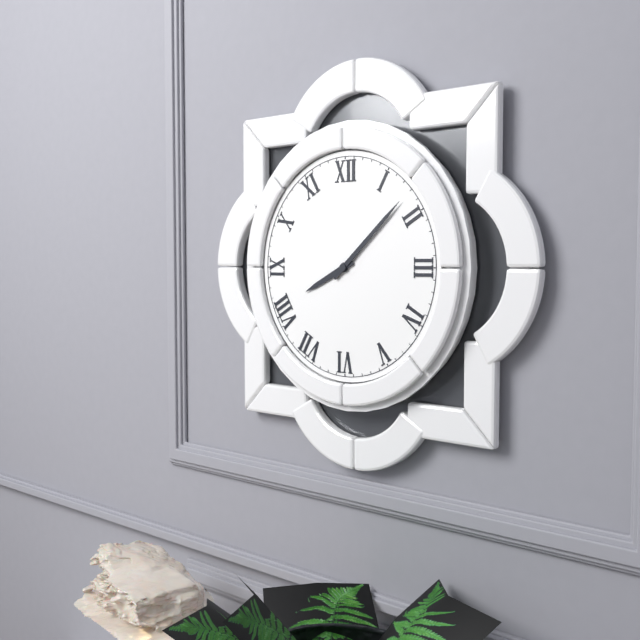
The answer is {"hour": 8, "minute": 8}
